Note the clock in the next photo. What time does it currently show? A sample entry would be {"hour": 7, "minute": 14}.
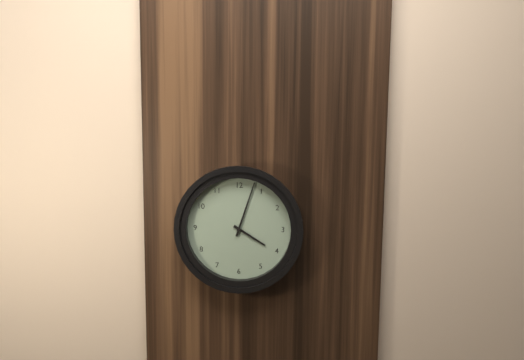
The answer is {"hour": 4, "minute": 3}
